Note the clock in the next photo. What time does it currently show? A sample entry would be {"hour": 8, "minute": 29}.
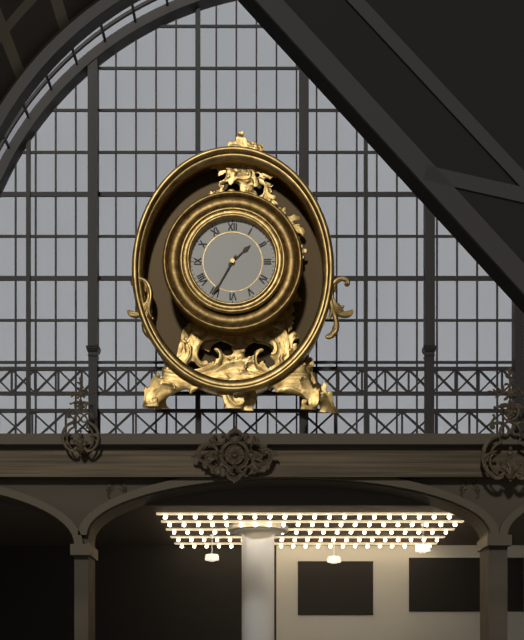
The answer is {"hour": 1, "minute": 35}
